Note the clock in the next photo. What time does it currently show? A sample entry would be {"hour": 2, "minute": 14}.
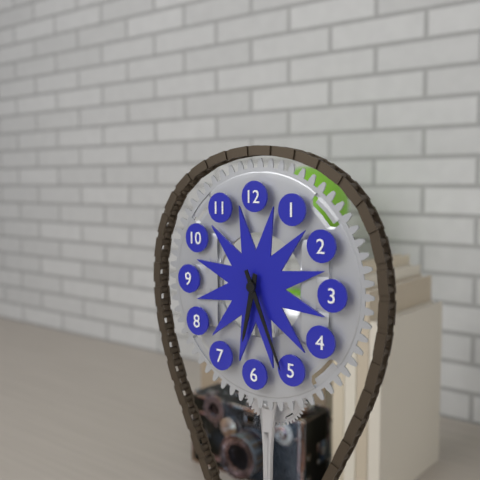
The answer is {"hour": 6, "minute": 26}
